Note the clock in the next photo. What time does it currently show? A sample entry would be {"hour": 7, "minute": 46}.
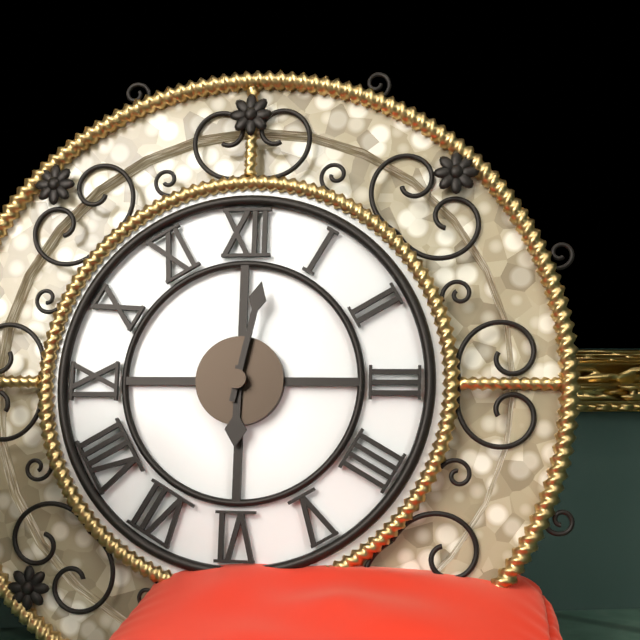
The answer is {"hour": 6, "minute": 2}
